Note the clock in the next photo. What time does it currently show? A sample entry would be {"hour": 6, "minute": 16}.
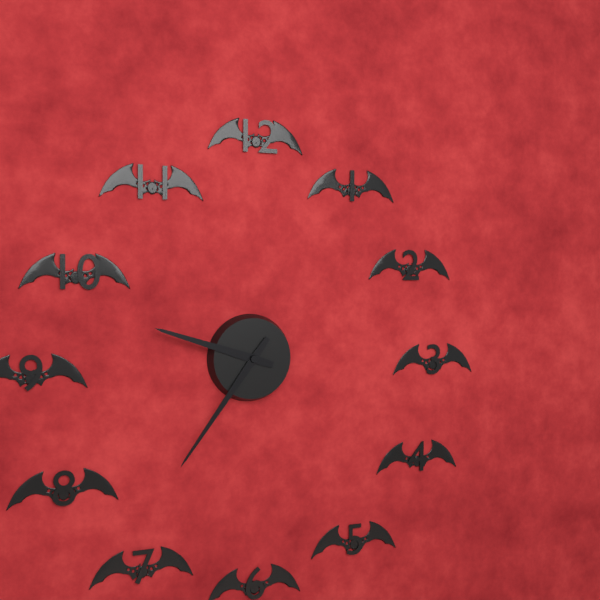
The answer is {"hour": 9, "minute": 36}
